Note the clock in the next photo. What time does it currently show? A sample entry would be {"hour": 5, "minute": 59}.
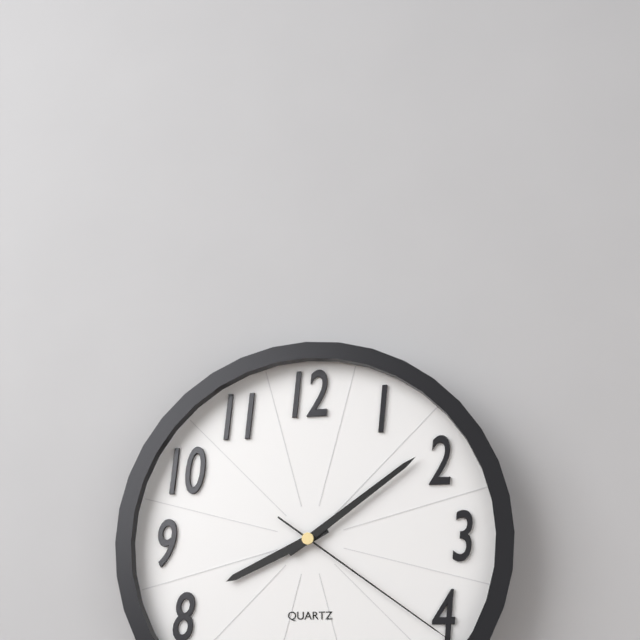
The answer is {"hour": 8, "minute": 9}
